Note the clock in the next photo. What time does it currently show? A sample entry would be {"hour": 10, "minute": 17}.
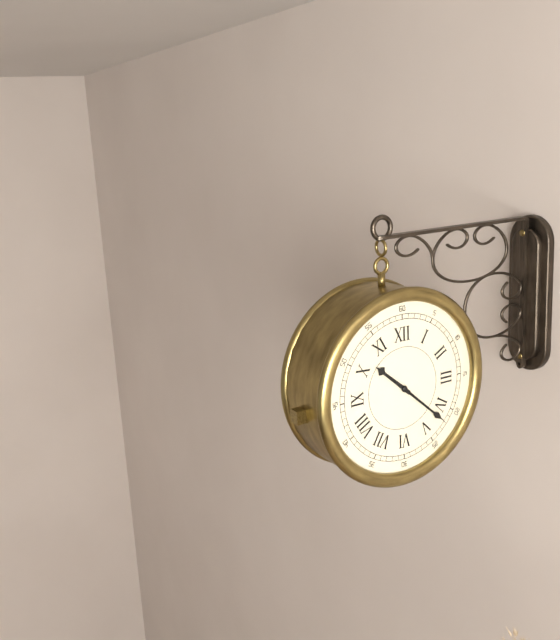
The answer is {"hour": 10, "minute": 22}
